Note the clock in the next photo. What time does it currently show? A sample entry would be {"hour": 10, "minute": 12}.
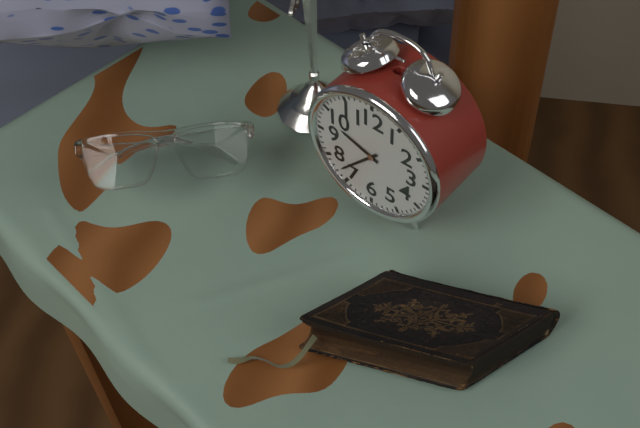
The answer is {"hour": 9, "minute": 37}
